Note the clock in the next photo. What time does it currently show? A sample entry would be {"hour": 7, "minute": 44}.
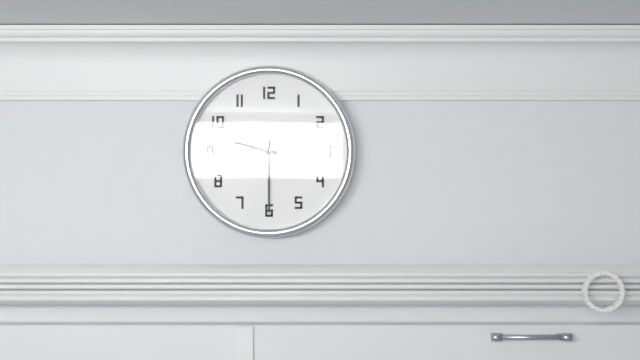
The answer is {"hour": 9, "minute": 30}
